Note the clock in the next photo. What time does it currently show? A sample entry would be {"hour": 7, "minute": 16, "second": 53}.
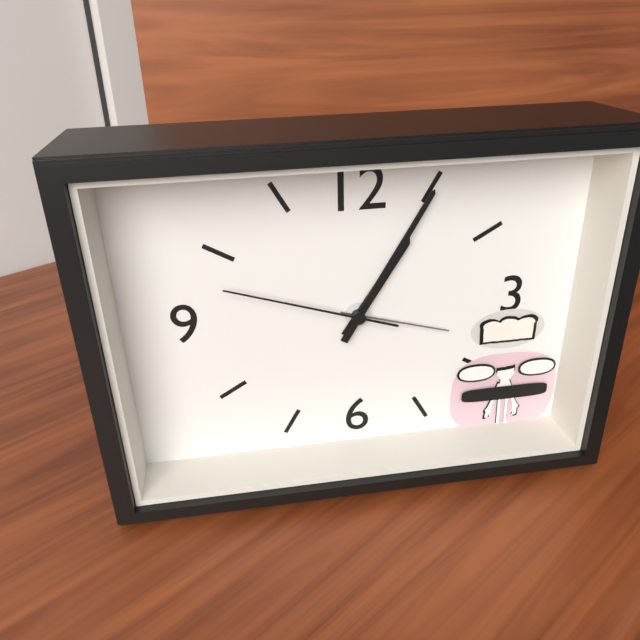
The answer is {"hour": 1, "minute": 5, "second": 48}
